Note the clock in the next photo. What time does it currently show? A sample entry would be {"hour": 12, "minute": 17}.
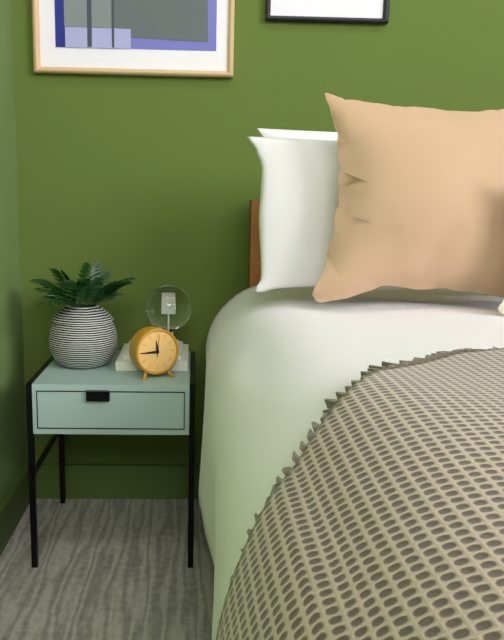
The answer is {"hour": 11, "minute": 45}
